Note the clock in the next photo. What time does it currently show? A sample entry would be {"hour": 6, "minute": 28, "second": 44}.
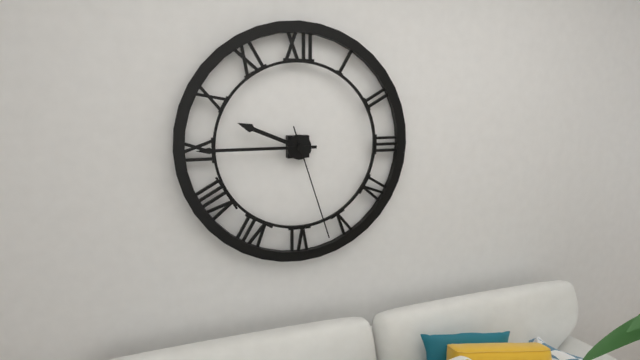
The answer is {"hour": 9, "minute": 45, "second": 27}
